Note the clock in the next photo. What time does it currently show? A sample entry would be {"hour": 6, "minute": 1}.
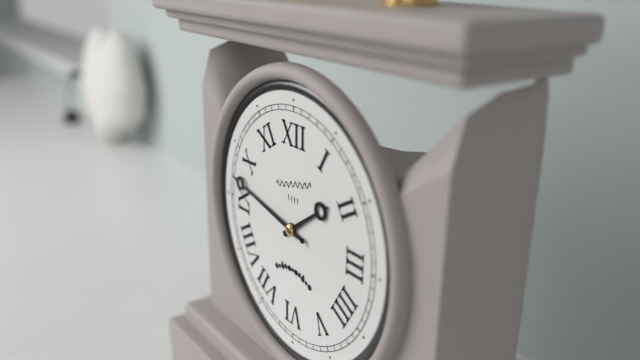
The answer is {"hour": 1, "minute": 47}
